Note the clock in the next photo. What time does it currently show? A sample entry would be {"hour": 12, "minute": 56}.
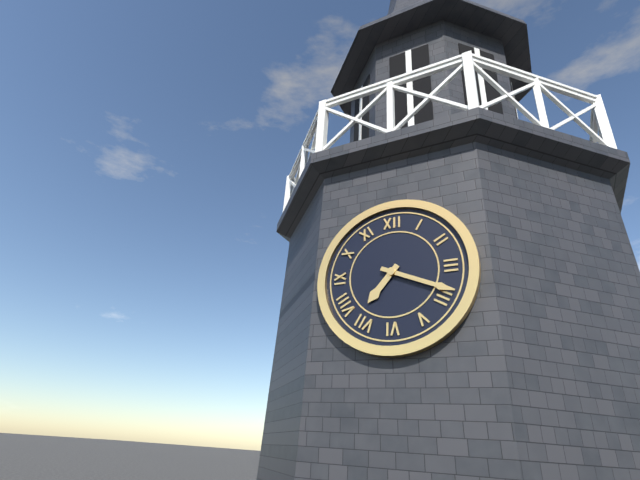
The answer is {"hour": 7, "minute": 19}
